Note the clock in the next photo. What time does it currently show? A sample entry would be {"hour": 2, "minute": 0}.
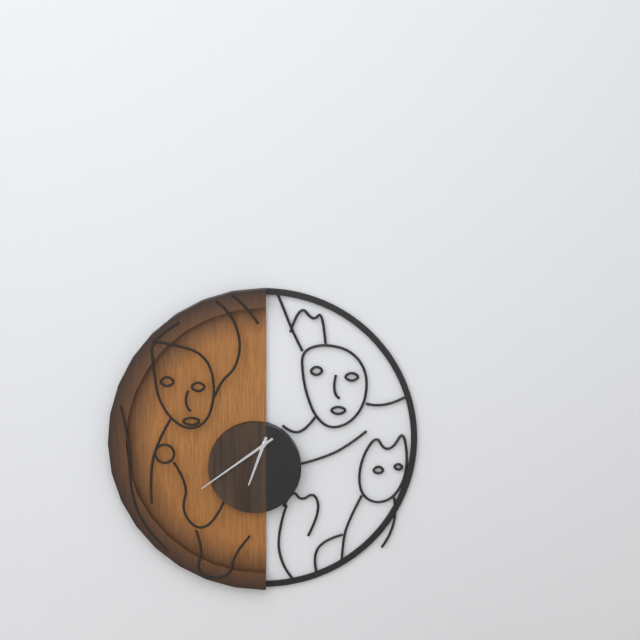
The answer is {"hour": 6, "minute": 39}
